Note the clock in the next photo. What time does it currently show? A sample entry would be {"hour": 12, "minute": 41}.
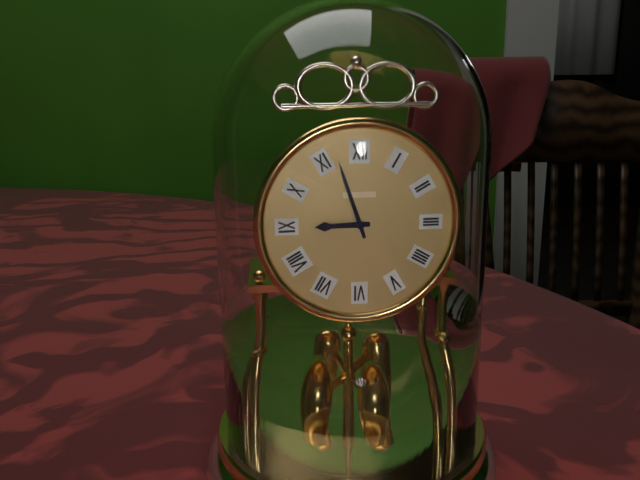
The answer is {"hour": 8, "minute": 57}
